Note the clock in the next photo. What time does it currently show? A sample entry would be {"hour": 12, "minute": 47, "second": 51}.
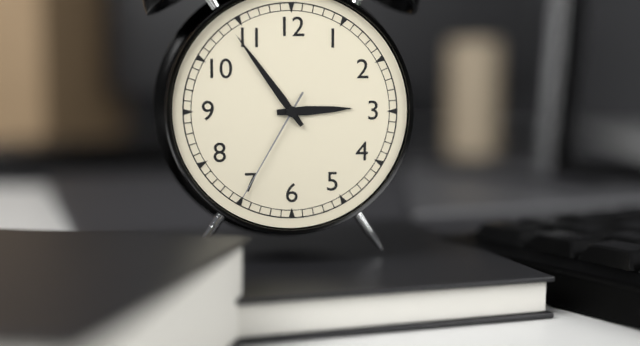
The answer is {"hour": 2, "minute": 54, "second": 35}
